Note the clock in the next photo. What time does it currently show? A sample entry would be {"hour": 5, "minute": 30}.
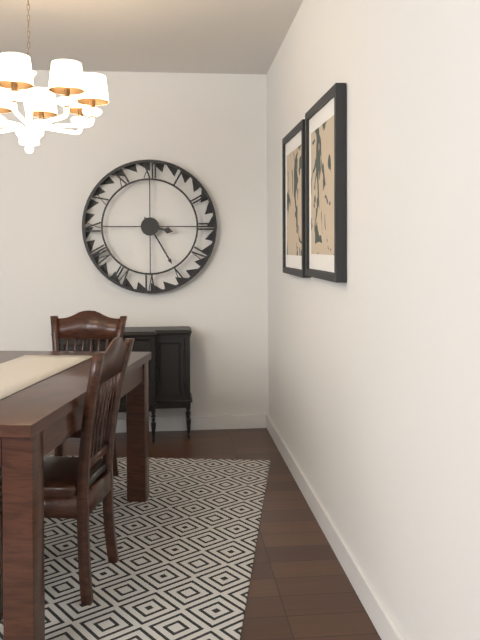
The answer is {"hour": 3, "minute": 25}
